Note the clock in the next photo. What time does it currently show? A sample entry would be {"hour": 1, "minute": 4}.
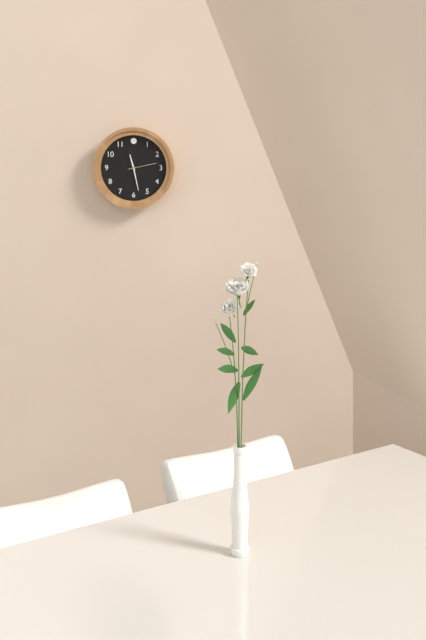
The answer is {"hour": 11, "minute": 28}
